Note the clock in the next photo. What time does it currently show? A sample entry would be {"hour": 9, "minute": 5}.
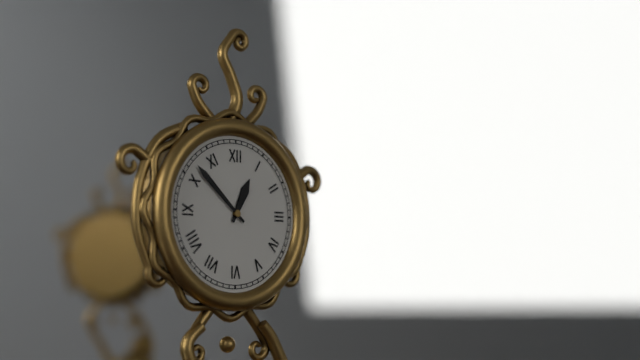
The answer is {"hour": 12, "minute": 52}
